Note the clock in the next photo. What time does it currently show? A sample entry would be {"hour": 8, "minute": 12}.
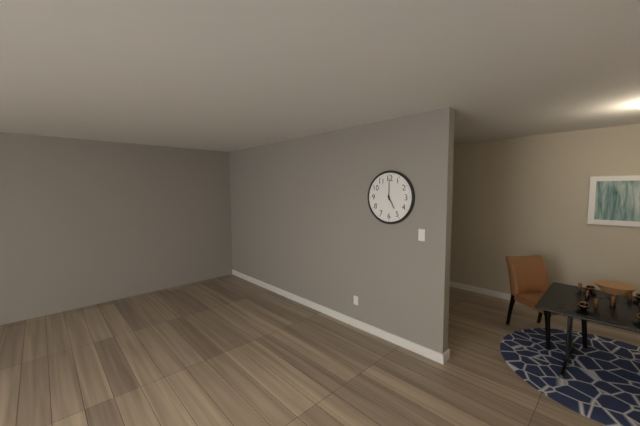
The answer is {"hour": 5, "minute": 0}
